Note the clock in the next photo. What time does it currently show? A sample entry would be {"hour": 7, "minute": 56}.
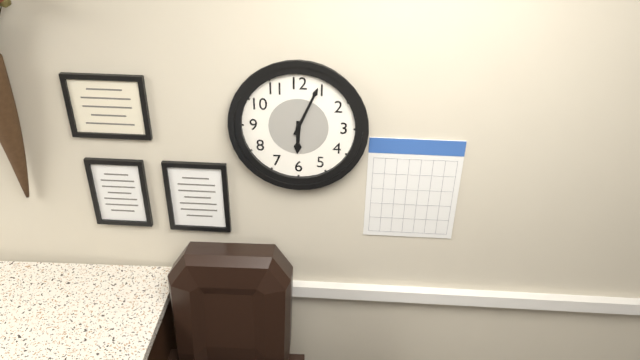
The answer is {"hour": 6, "minute": 4}
